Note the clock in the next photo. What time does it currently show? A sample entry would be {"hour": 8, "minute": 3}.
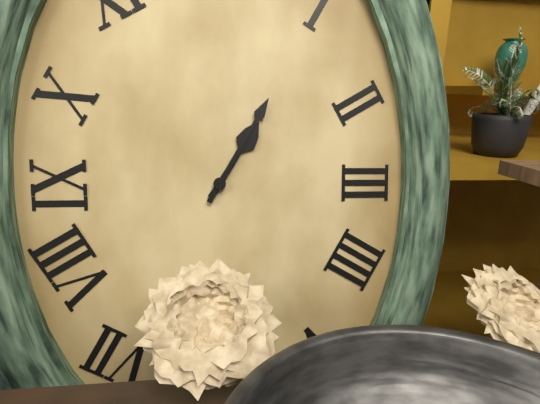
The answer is {"hour": 1, "minute": 5}
